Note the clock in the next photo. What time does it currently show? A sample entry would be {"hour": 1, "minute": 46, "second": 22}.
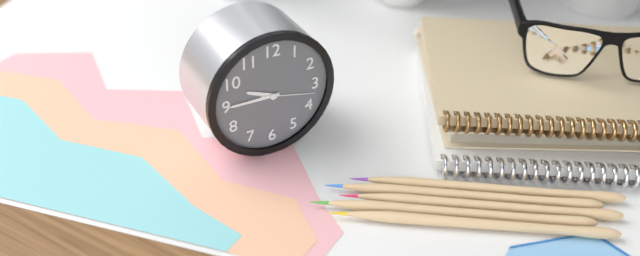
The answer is {"hour": 9, "minute": 45, "second": 17}
